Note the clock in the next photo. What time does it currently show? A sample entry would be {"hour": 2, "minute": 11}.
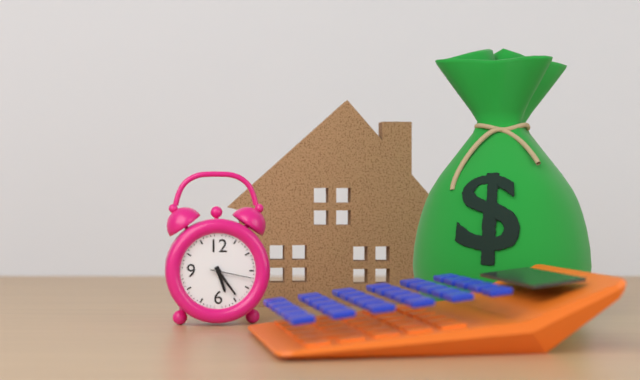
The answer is {"hour": 5, "minute": 24}
